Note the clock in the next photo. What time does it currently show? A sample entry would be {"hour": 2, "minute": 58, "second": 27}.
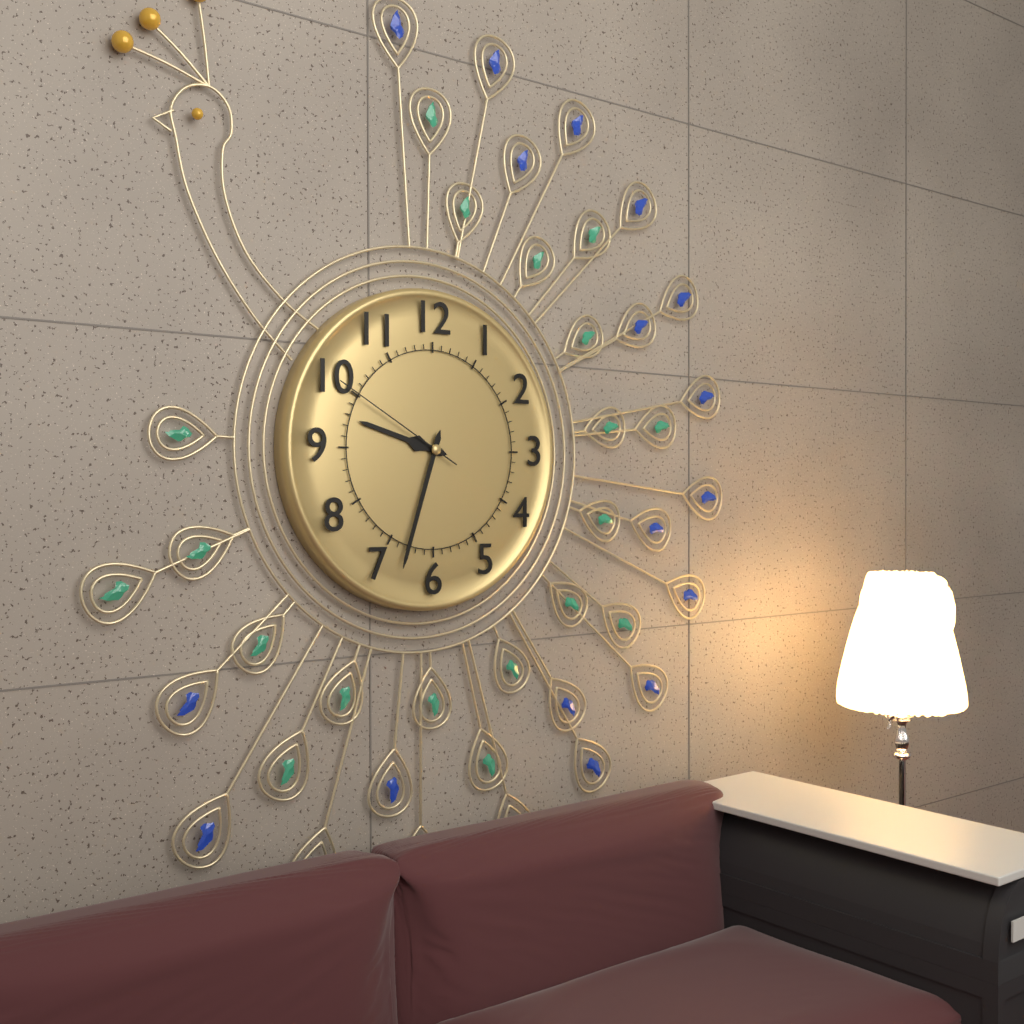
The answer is {"hour": 9, "minute": 33, "second": 50}
